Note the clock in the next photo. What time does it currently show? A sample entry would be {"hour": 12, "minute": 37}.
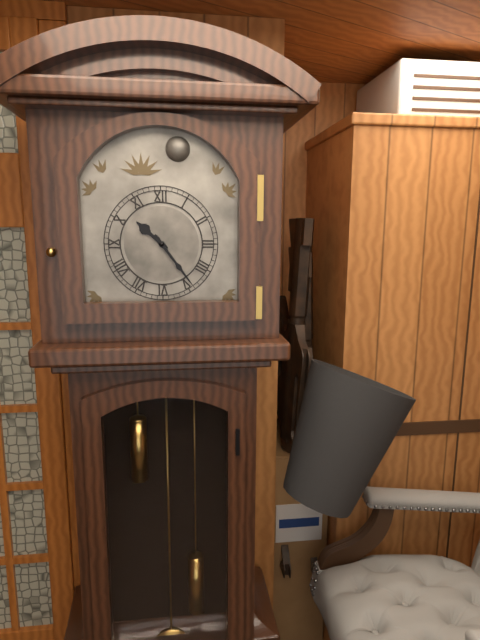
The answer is {"hour": 10, "minute": 24}
